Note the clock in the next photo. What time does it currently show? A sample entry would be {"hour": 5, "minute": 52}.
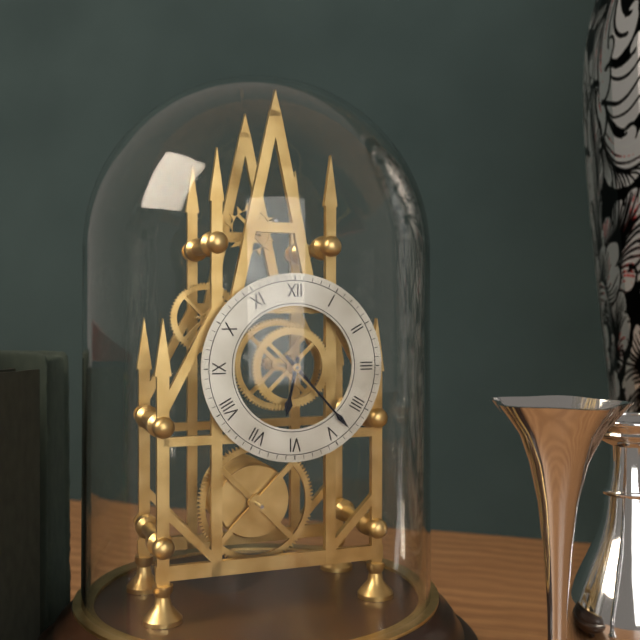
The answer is {"hour": 6, "minute": 23}
